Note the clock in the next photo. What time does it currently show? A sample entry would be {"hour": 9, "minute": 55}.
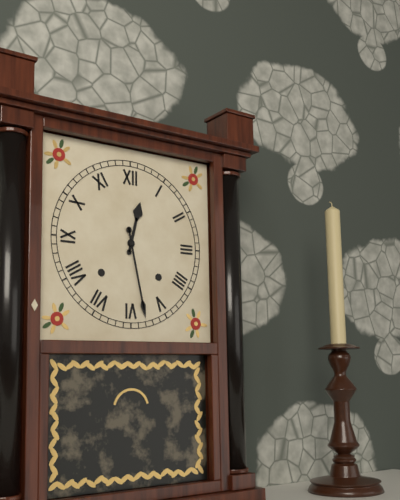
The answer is {"hour": 12, "minute": 28}
